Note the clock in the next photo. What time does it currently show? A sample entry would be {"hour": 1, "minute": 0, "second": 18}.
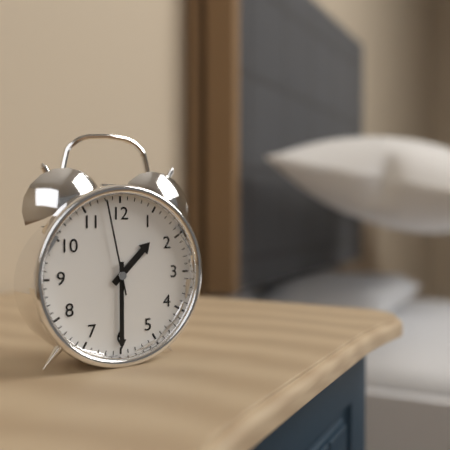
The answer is {"hour": 1, "minute": 30, "second": 58}
